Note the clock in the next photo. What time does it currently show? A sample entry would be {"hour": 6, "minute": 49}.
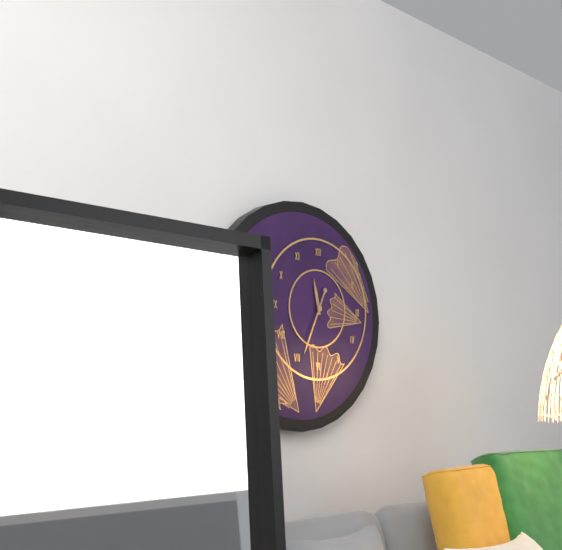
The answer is {"hour": 11, "minute": 34}
